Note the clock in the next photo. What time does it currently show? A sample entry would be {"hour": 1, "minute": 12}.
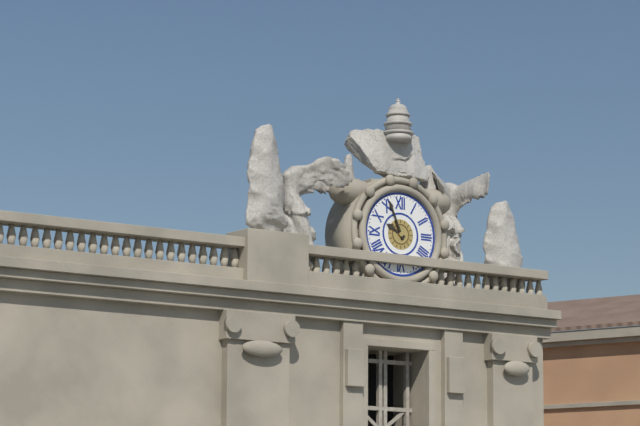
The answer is {"hour": 9, "minute": 56}
